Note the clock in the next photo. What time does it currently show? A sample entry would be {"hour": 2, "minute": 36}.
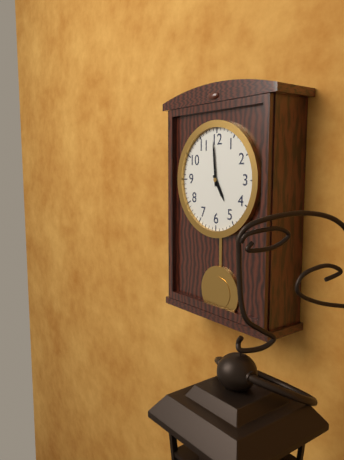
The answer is {"hour": 4, "minute": 59}
